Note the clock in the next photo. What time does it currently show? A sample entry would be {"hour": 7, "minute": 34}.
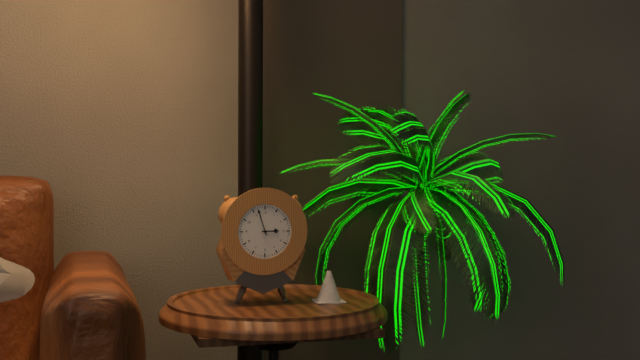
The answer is {"hour": 2, "minute": 57}
